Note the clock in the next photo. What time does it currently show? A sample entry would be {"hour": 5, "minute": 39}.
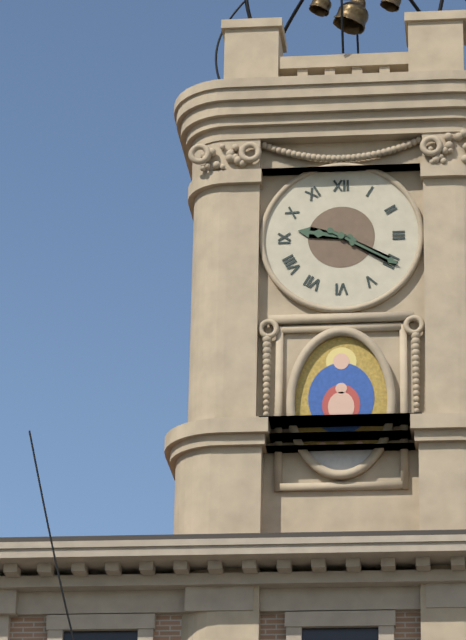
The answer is {"hour": 9, "minute": 20}
